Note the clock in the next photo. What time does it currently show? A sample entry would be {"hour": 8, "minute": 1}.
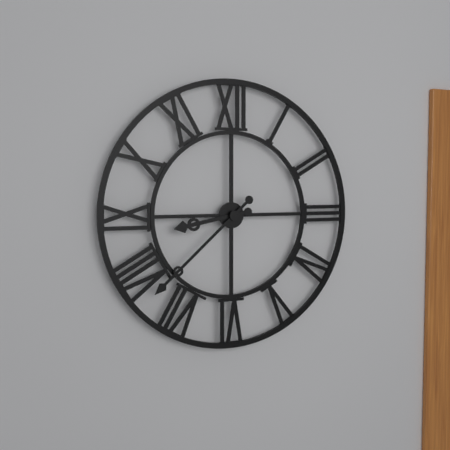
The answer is {"hour": 8, "minute": 38}
